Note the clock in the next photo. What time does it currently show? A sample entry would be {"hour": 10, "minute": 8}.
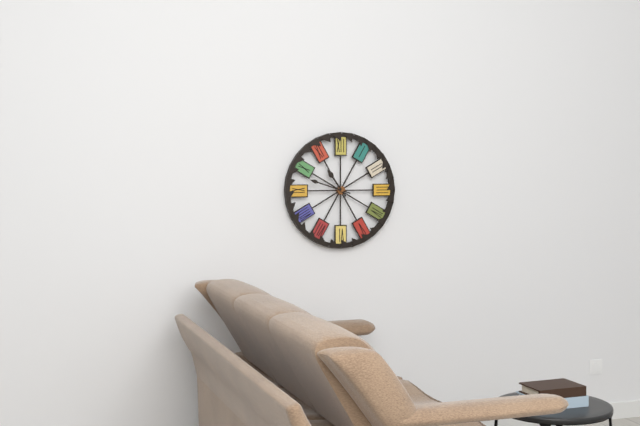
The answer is {"hour": 10, "minute": 48}
